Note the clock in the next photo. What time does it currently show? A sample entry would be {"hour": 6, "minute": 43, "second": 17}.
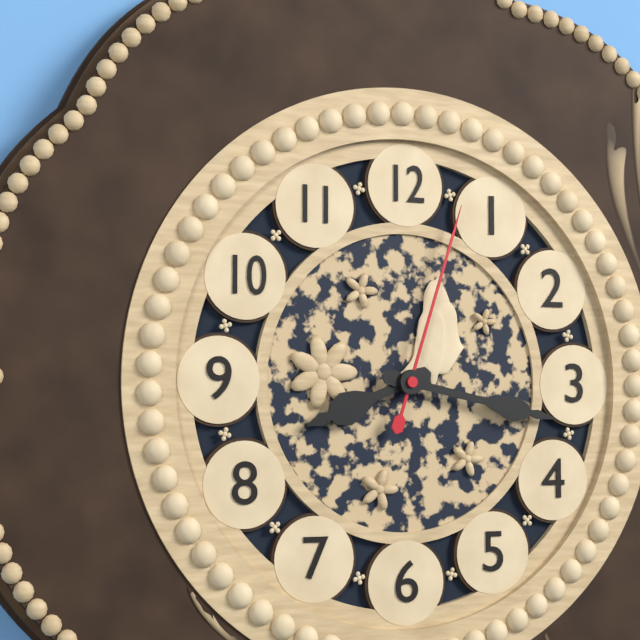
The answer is {"hour": 8, "minute": 17, "second": 3}
